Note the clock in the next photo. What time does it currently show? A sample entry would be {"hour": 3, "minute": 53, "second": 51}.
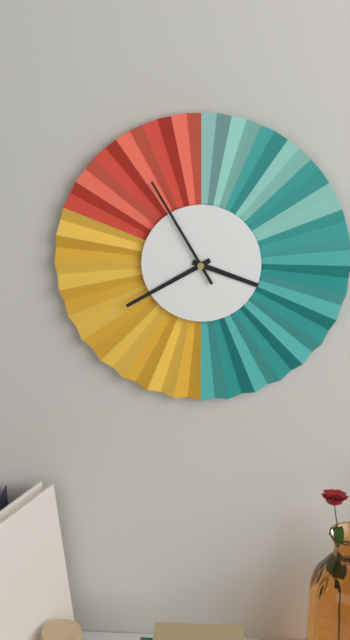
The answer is {"hour": 3, "minute": 40, "second": 55}
